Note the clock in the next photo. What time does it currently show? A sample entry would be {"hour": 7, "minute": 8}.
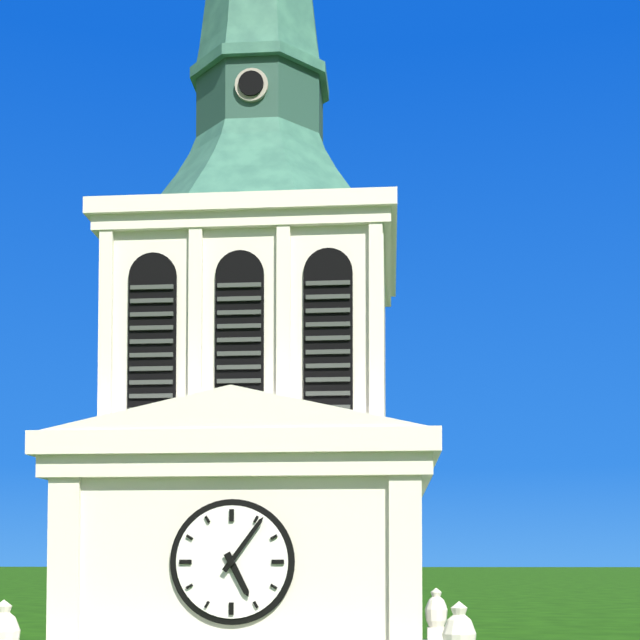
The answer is {"hour": 5, "minute": 6}
